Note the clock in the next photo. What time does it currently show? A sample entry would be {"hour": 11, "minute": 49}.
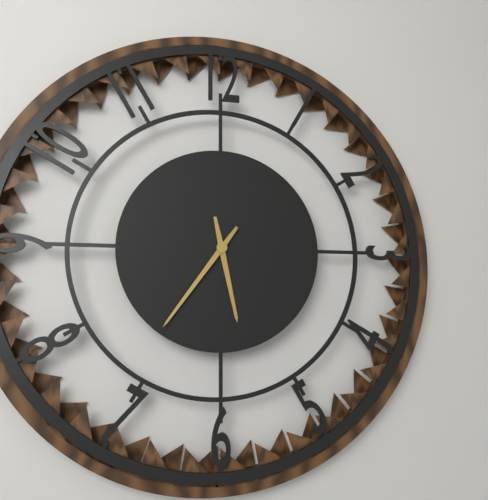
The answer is {"hour": 5, "minute": 36}
